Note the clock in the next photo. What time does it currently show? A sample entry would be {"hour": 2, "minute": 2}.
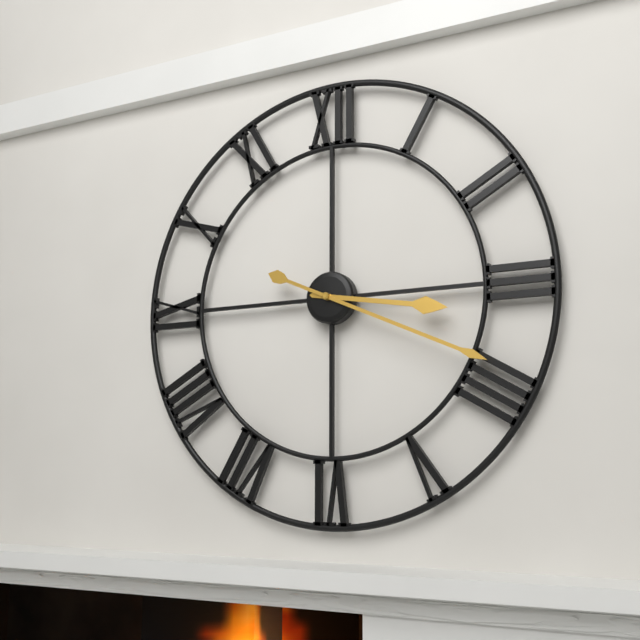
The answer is {"hour": 3, "minute": 19}
